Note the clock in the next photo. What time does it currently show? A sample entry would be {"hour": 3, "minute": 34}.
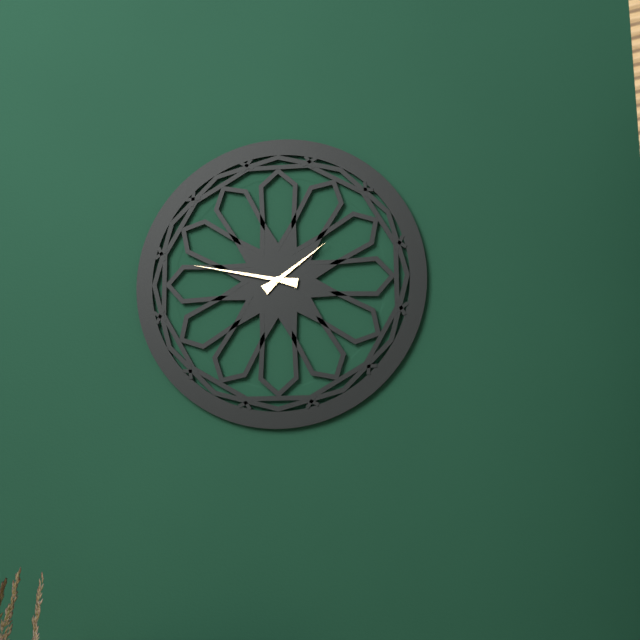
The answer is {"hour": 1, "minute": 47}
